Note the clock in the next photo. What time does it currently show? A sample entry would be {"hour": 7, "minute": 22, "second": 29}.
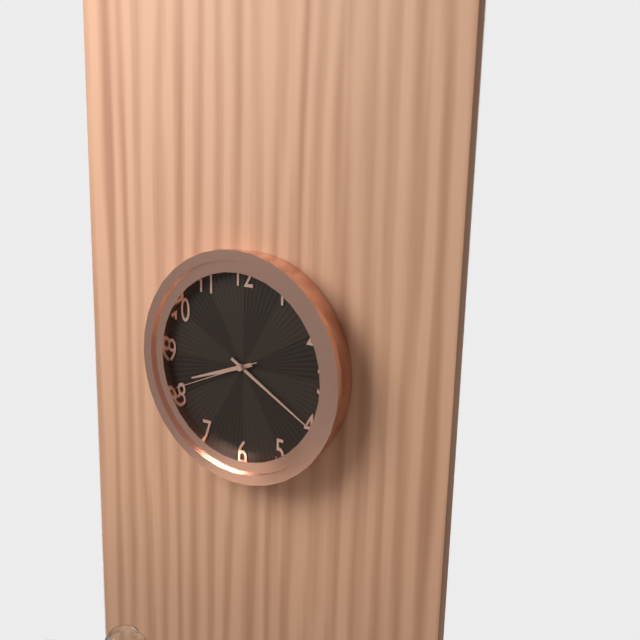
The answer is {"hour": 8, "minute": 20, "second": 41}
